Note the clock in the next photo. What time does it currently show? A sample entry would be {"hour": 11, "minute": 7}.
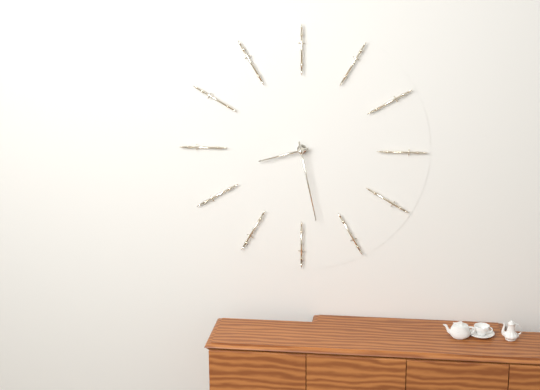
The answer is {"hour": 8, "minute": 28}
